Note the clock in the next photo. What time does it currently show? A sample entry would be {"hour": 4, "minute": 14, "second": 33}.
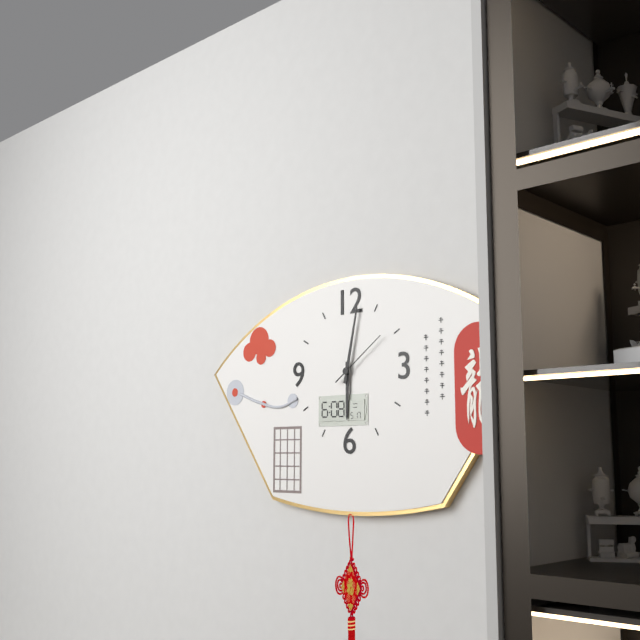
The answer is {"hour": 6, "minute": 2, "second": 9}
